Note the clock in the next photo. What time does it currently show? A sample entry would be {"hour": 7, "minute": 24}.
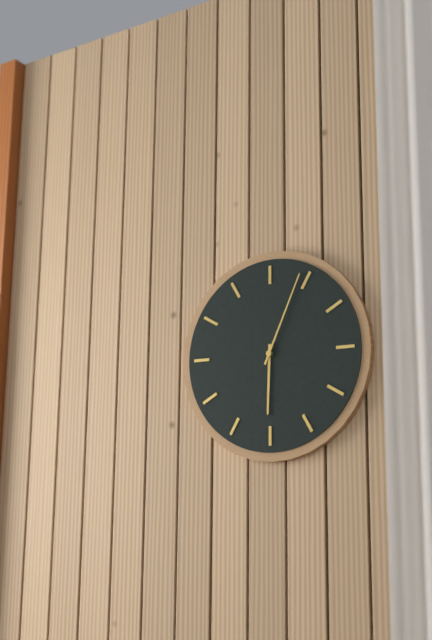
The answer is {"hour": 6, "minute": 4}
